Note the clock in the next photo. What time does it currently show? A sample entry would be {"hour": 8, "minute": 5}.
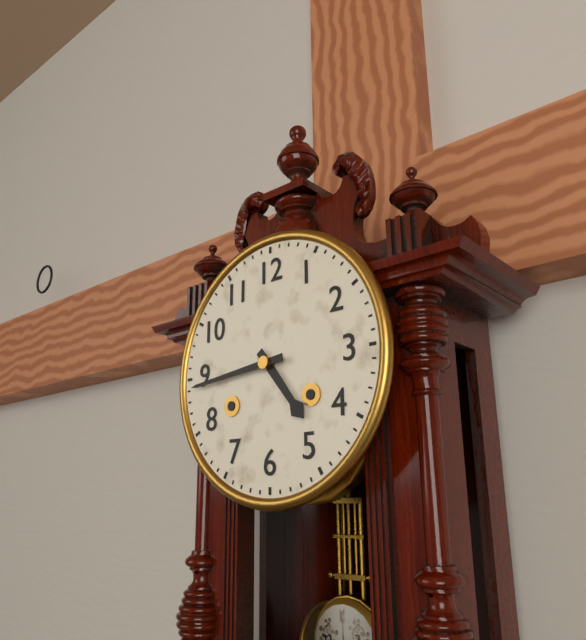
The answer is {"hour": 4, "minute": 44}
